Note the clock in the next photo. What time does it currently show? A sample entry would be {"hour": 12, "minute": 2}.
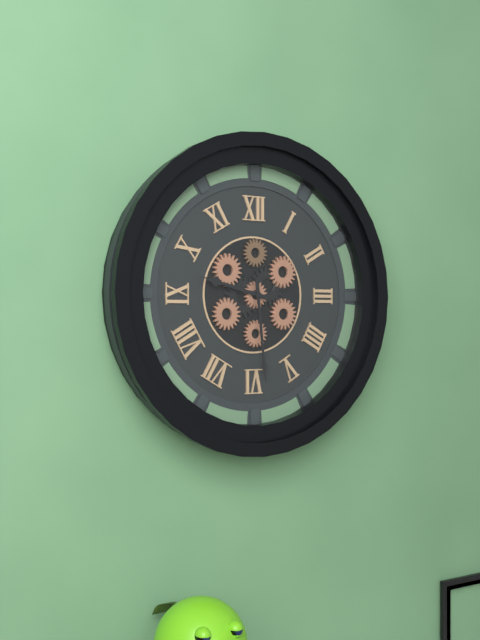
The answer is {"hour": 9, "minute": 29}
